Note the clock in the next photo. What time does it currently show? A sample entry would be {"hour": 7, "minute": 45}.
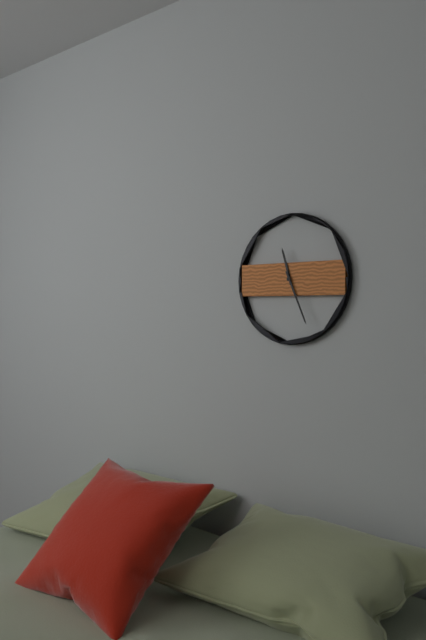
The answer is {"hour": 11, "minute": 26}
